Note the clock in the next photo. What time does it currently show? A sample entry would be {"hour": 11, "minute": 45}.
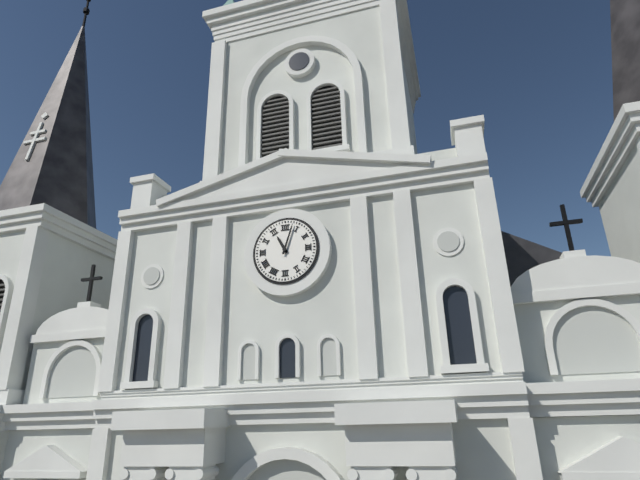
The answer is {"hour": 11, "minute": 3}
